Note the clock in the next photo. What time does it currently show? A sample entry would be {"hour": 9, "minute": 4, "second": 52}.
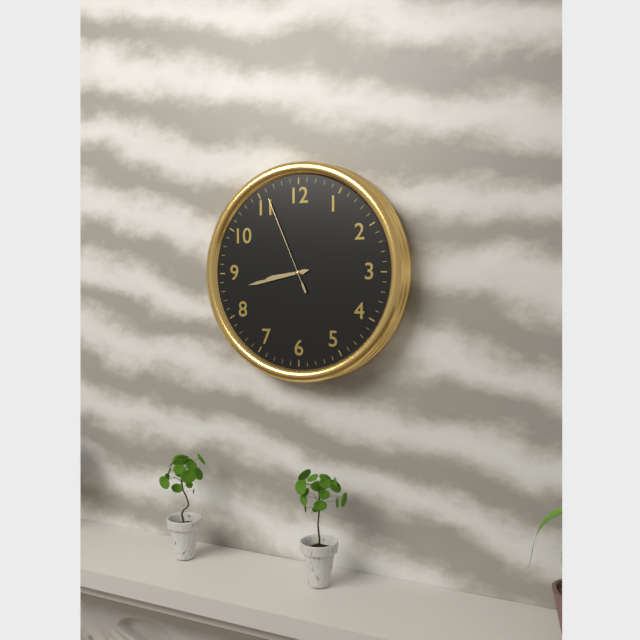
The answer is {"hour": 8, "minute": 43, "second": 56}
